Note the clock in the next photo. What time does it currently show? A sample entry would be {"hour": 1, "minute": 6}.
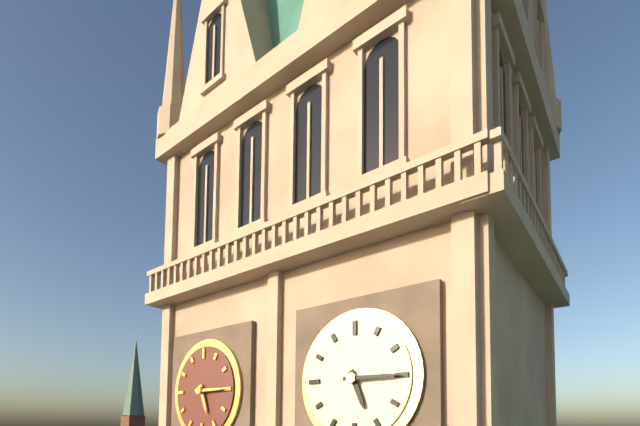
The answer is {"hour": 5, "minute": 15}
